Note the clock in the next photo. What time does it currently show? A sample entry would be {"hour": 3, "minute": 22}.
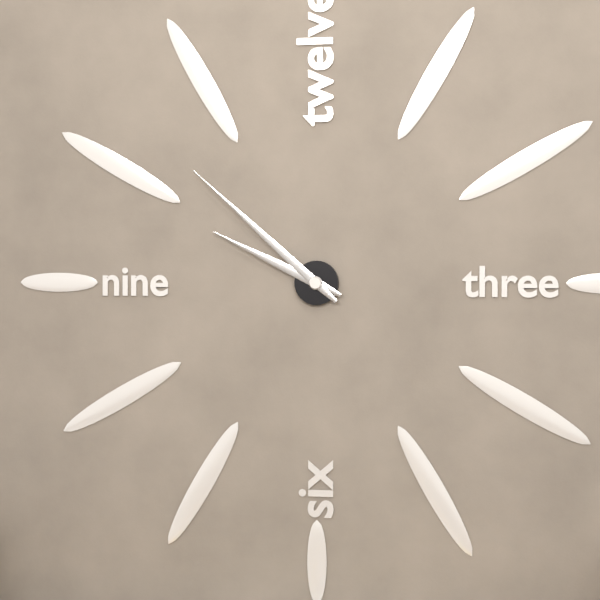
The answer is {"hour": 9, "minute": 52}
